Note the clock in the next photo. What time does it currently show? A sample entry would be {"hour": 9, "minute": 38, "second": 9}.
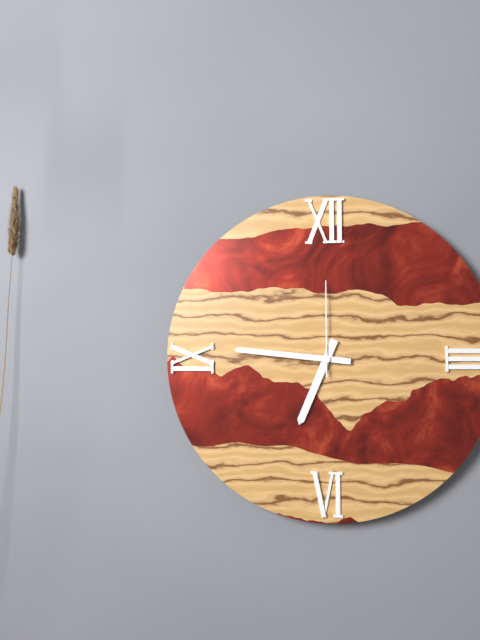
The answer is {"hour": 6, "minute": 46, "second": 0}
